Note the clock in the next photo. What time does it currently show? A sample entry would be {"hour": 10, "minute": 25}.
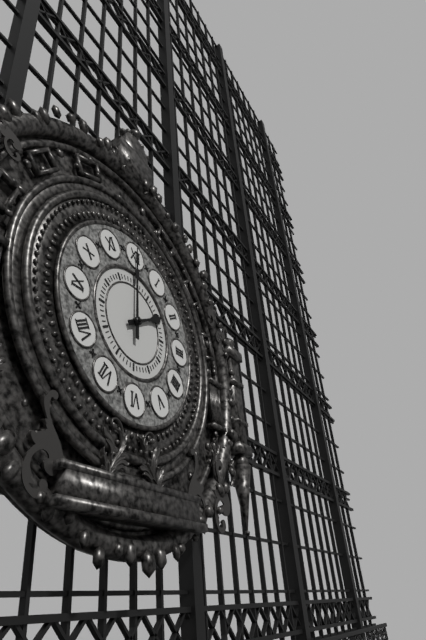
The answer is {"hour": 2, "minute": 0}
